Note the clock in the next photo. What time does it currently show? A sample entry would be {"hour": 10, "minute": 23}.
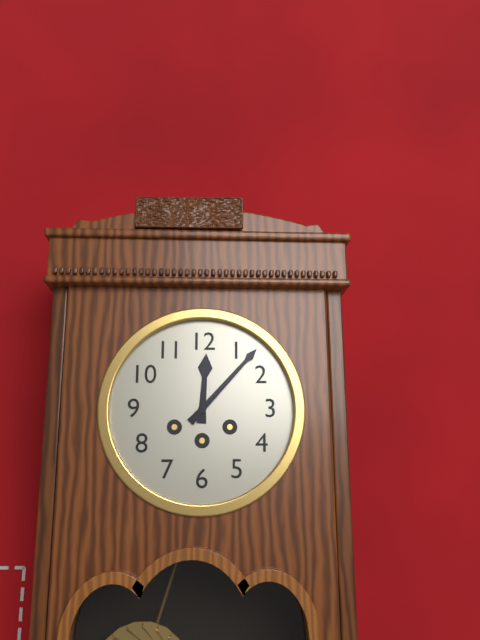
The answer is {"hour": 12, "minute": 7}
